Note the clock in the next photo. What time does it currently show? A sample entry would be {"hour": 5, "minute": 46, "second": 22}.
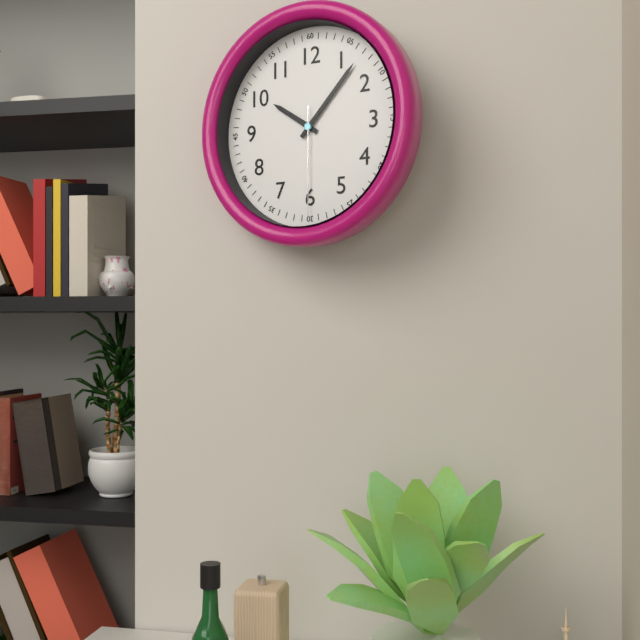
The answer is {"hour": 10, "minute": 7, "second": 30}
